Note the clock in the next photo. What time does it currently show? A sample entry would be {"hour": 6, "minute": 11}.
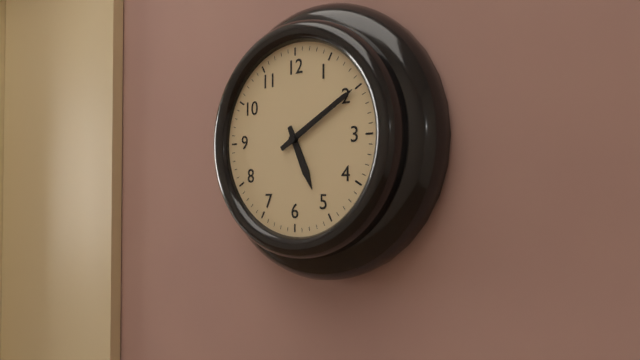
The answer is {"hour": 5, "minute": 10}
